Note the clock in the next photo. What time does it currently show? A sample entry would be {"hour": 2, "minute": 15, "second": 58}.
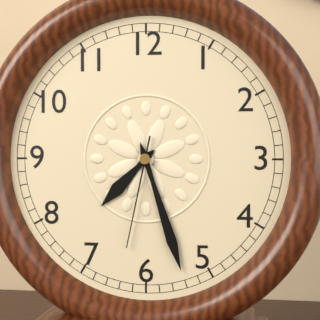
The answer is {"hour": 7, "minute": 27, "second": 32}
